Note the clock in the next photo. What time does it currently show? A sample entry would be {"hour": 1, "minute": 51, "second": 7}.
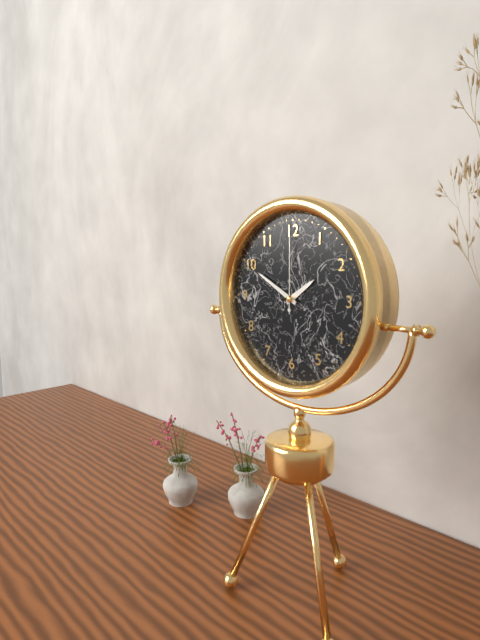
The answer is {"hour": 1, "minute": 50, "second": 0}
